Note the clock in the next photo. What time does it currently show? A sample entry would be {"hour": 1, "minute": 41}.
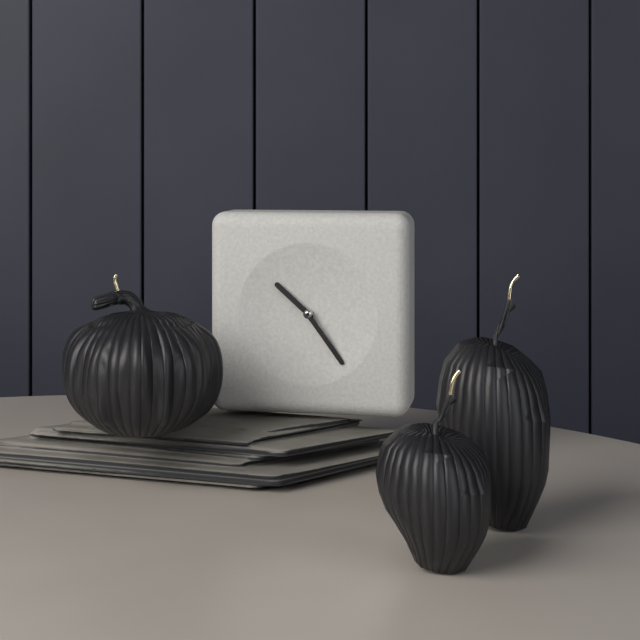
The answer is {"hour": 10, "minute": 24}
